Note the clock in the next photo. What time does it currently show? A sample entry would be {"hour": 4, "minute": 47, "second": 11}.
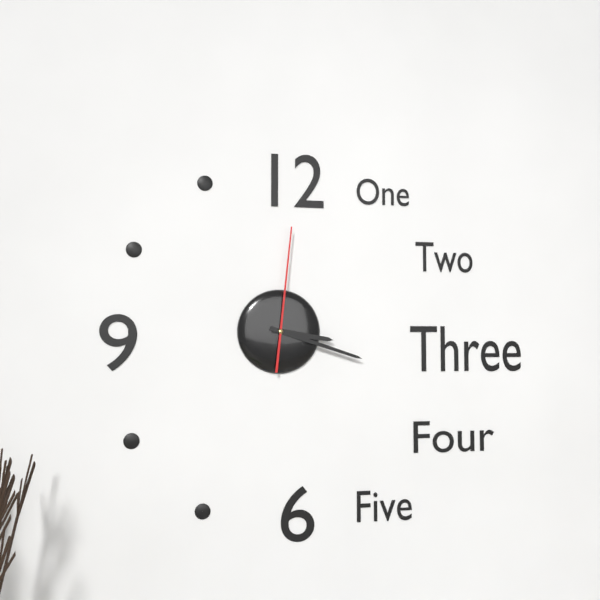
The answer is {"hour": 3, "minute": 18, "second": 1}
